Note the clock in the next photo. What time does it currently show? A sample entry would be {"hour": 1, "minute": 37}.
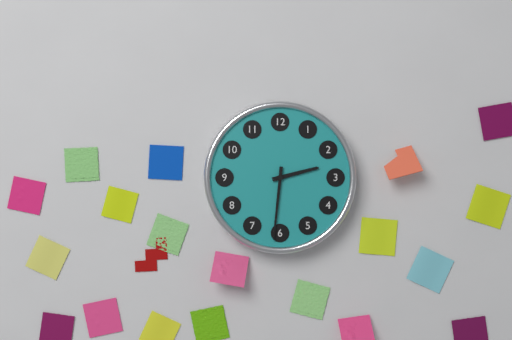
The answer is {"hour": 2, "minute": 31}
